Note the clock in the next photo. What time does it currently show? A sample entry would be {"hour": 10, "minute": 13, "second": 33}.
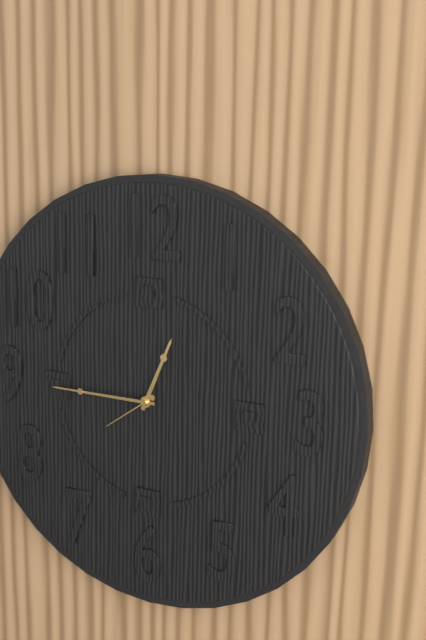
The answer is {"hour": 12, "minute": 45, "second": 39}
